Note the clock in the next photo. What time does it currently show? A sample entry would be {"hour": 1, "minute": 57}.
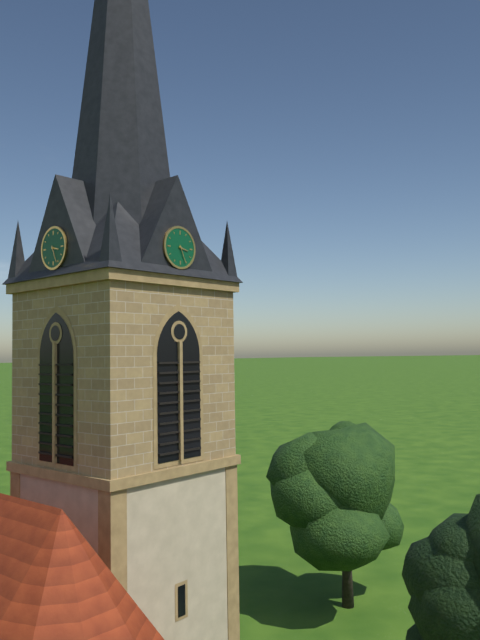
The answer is {"hour": 3, "minute": 26}
